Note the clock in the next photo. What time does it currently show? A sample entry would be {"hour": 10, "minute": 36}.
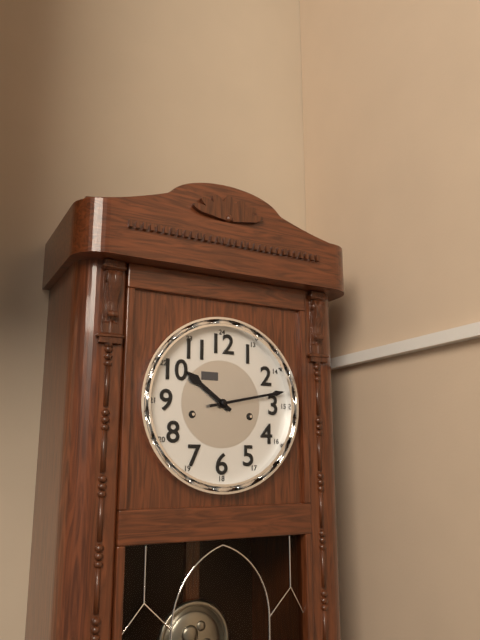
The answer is {"hour": 10, "minute": 13}
